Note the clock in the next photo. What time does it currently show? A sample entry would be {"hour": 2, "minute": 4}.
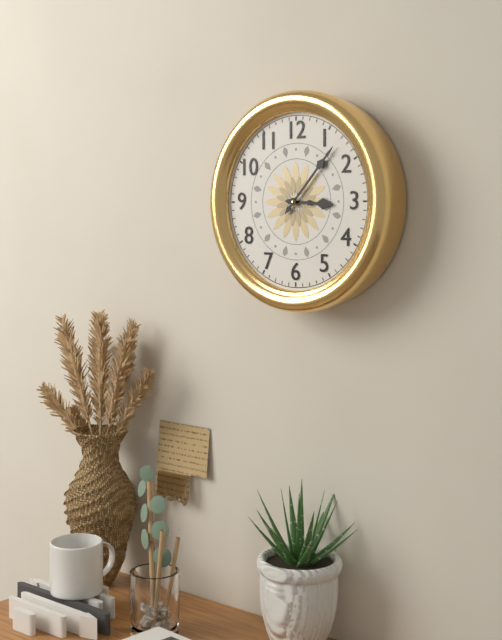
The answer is {"hour": 3, "minute": 7}
